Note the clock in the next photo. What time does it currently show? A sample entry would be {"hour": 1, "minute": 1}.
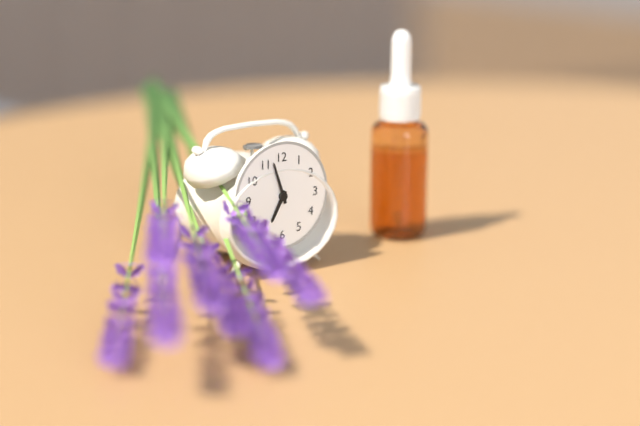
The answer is {"hour": 6, "minute": 57}
